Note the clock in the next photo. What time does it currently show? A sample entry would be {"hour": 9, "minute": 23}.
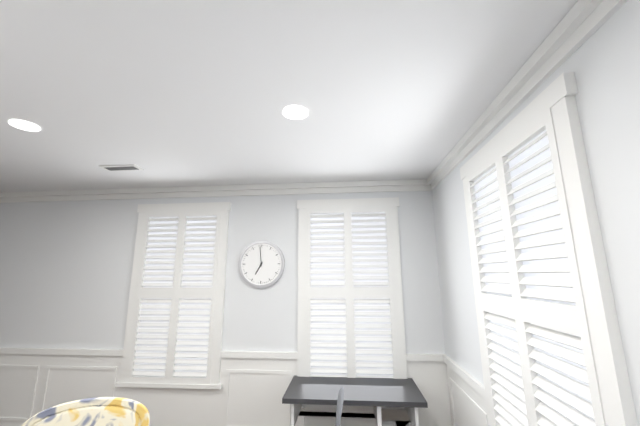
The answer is {"hour": 6, "minute": 59}
